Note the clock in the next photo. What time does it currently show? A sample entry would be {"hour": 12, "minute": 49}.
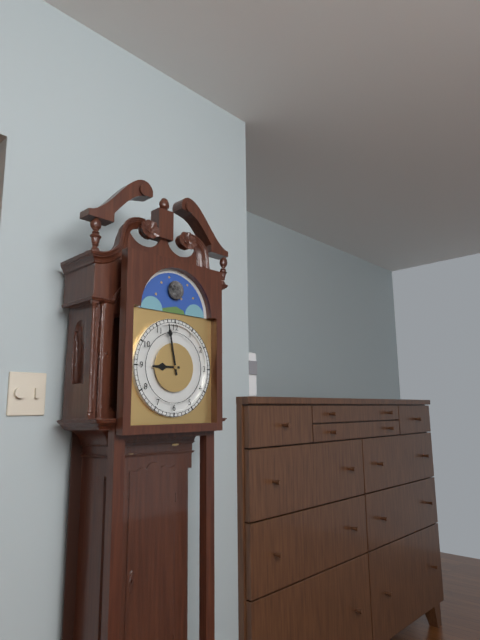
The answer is {"hour": 8, "minute": 58}
